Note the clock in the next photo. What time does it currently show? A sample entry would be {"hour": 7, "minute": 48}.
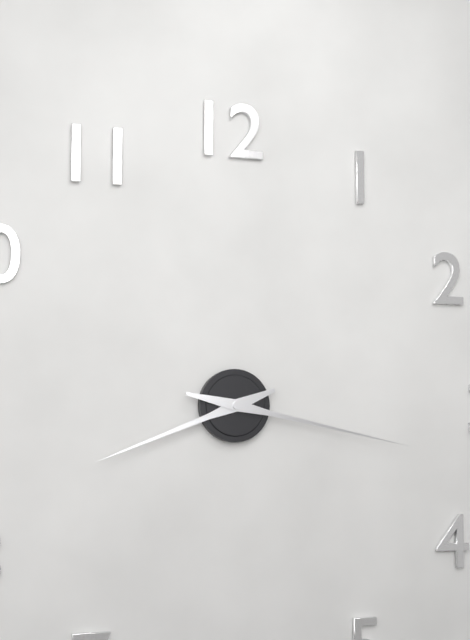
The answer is {"hour": 8, "minute": 17}
